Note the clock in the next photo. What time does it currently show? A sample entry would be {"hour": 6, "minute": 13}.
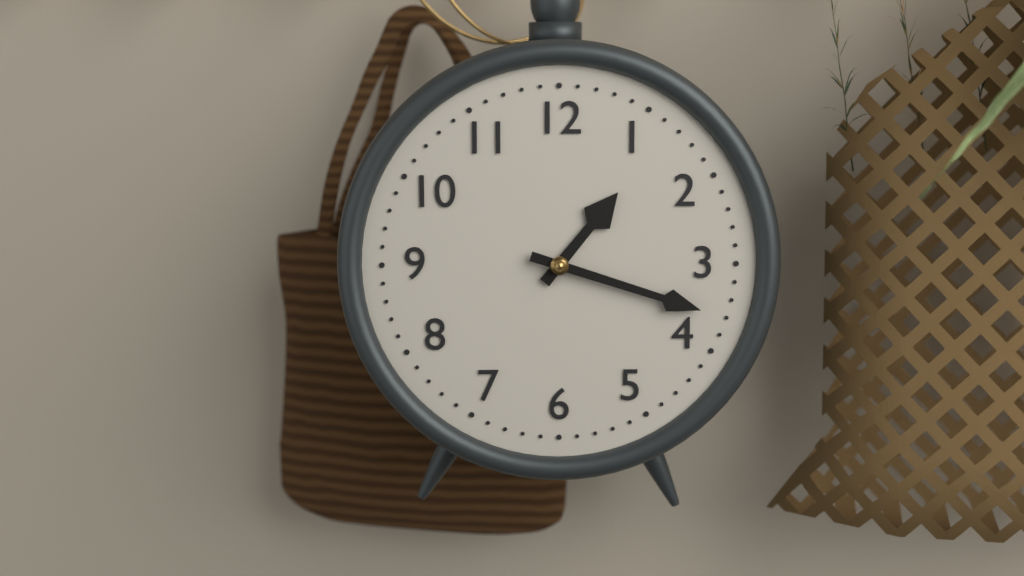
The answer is {"hour": 1, "minute": 18}
